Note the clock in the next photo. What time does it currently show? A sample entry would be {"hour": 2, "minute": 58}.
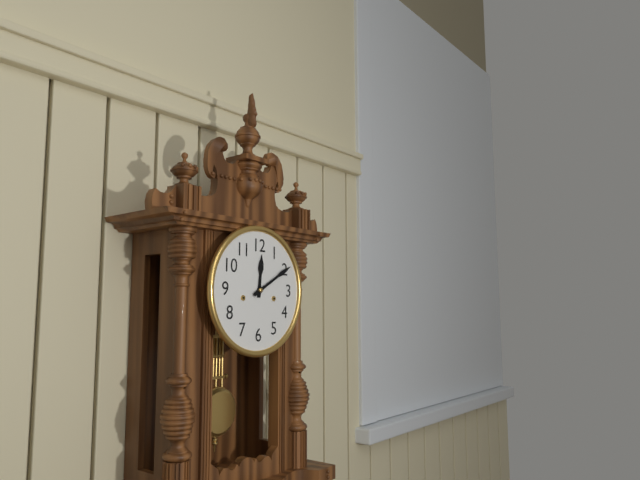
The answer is {"hour": 12, "minute": 10}
